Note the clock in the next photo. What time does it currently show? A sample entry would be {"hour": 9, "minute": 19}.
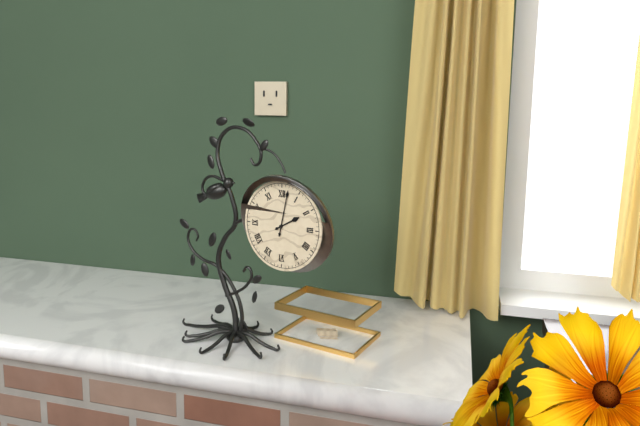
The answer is {"hour": 2, "minute": 2}
